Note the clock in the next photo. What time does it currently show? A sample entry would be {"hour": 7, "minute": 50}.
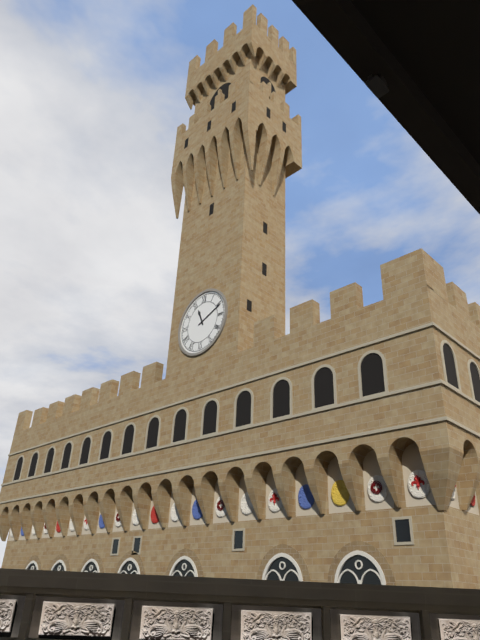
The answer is {"hour": 11, "minute": 11}
